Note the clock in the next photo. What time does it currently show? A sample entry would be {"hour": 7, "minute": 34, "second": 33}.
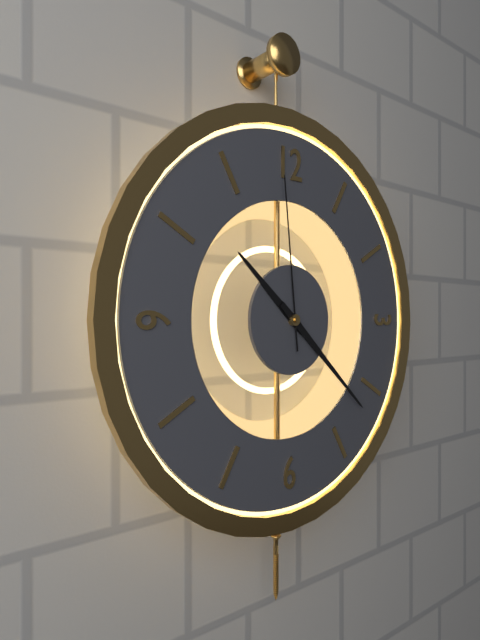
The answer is {"hour": 10, "minute": 22, "second": 59}
